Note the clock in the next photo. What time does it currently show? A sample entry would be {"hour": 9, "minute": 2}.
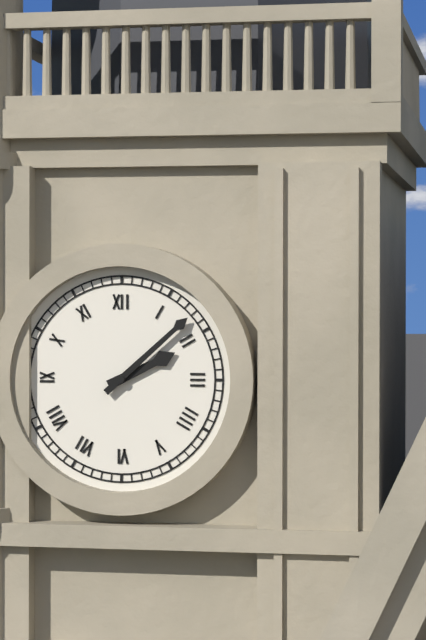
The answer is {"hour": 2, "minute": 8}
